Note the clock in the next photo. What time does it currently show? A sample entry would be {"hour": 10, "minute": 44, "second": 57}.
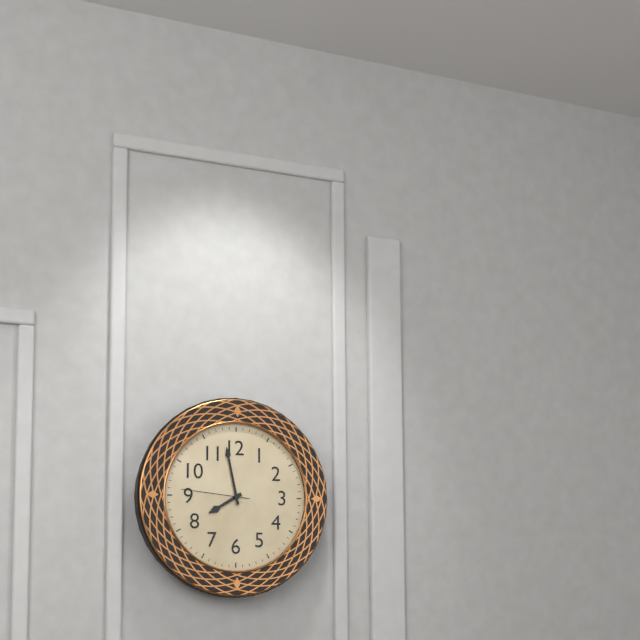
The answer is {"hour": 7, "minute": 58, "second": 46}
